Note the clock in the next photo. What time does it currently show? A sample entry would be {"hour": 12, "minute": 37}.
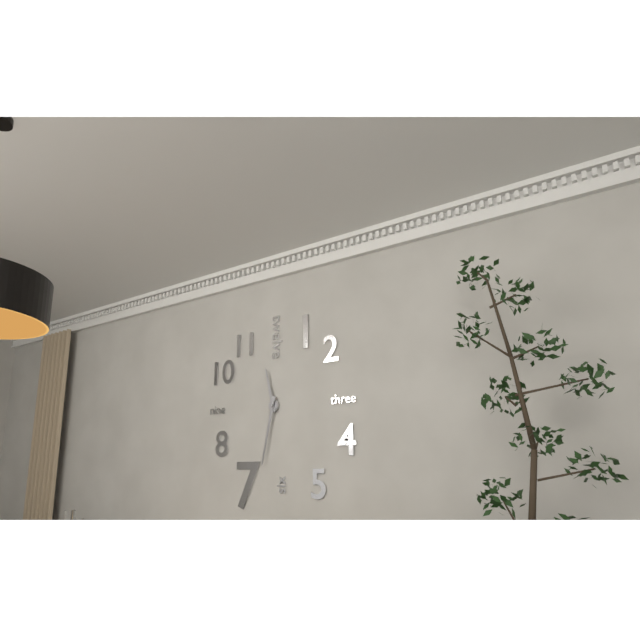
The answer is {"hour": 11, "minute": 32}
